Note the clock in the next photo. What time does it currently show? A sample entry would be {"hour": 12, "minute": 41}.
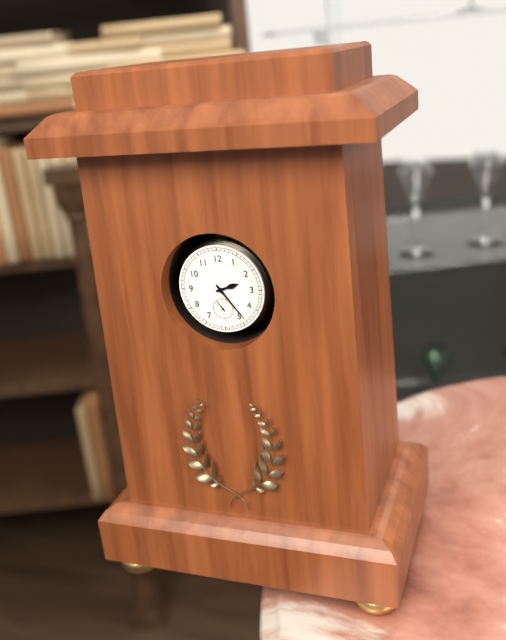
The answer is {"hour": 2, "minute": 24}
